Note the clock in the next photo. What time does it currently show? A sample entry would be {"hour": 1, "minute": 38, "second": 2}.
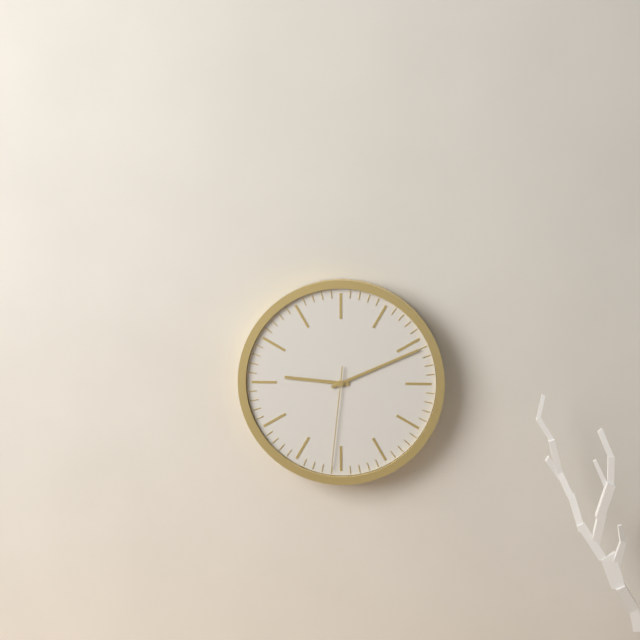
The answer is {"hour": 9, "minute": 11, "second": 31}
